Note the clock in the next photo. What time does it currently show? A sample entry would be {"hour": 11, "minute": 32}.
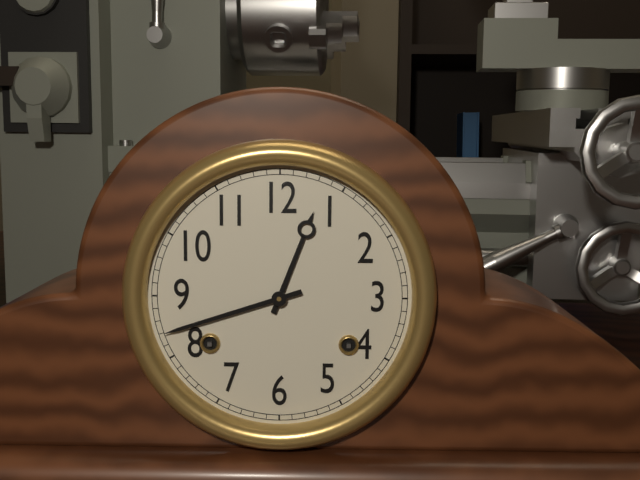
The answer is {"hour": 12, "minute": 42}
